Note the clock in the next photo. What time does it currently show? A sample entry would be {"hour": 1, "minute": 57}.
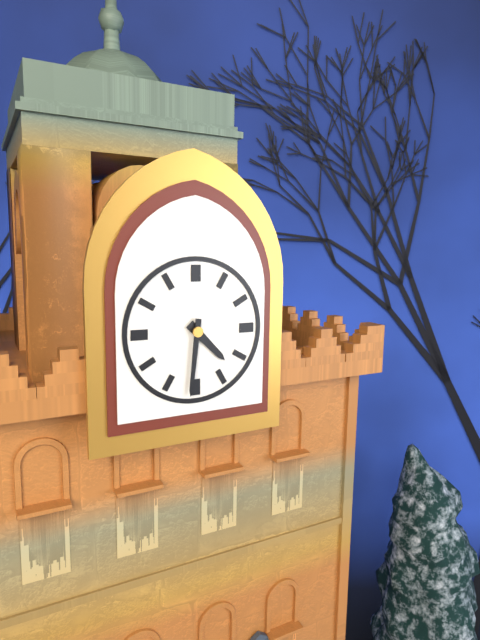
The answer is {"hour": 4, "minute": 31}
